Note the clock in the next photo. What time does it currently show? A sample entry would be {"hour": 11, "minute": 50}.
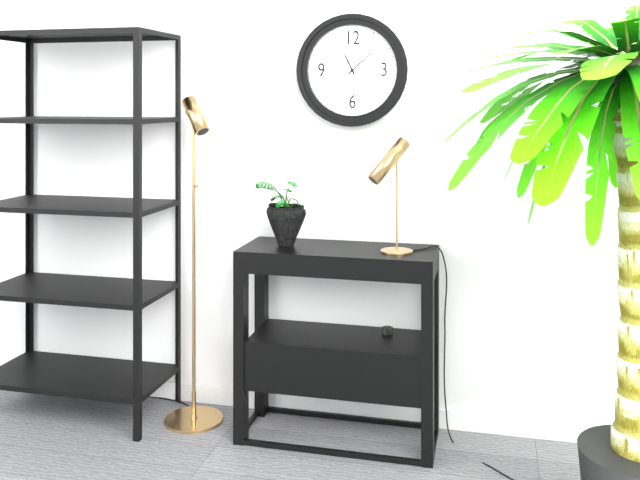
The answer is {"hour": 11, "minute": 8}
